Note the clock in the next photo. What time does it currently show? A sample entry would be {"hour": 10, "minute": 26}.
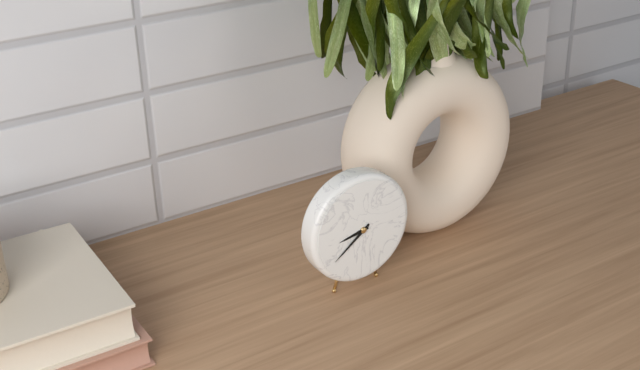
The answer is {"hour": 8, "minute": 39}
